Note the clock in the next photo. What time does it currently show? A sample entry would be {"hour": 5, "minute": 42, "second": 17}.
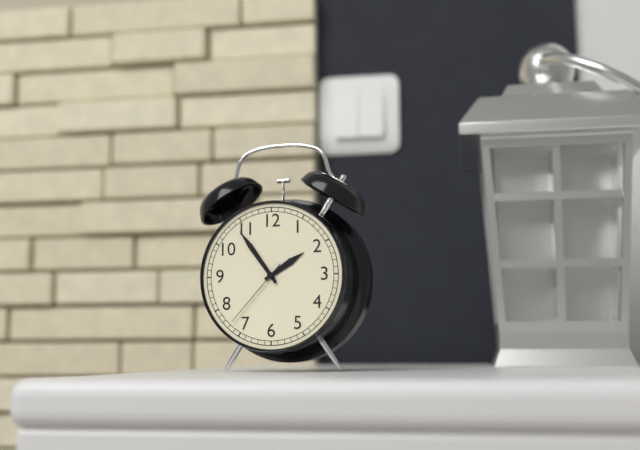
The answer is {"hour": 1, "minute": 54, "second": 37}
